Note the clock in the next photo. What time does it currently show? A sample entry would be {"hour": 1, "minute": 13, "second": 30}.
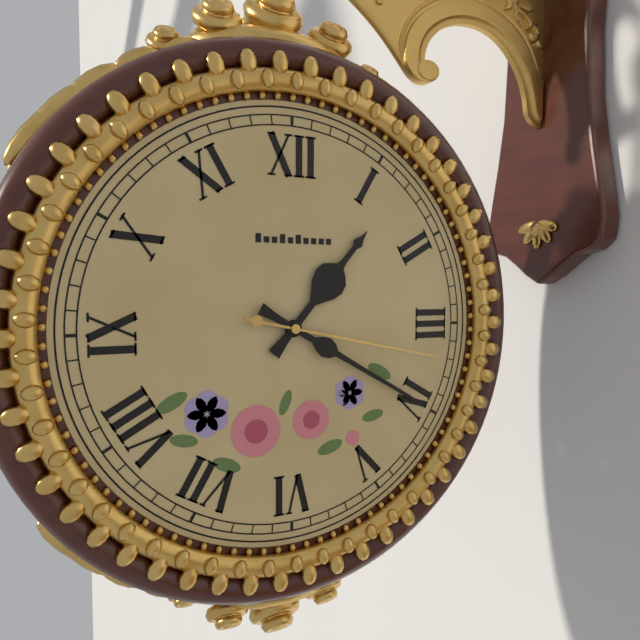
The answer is {"hour": 1, "minute": 20, "second": 17}
